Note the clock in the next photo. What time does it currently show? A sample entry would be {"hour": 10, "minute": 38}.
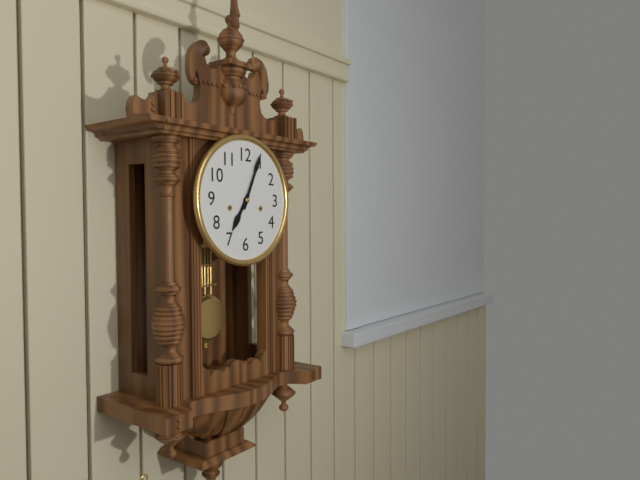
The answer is {"hour": 7, "minute": 4}
